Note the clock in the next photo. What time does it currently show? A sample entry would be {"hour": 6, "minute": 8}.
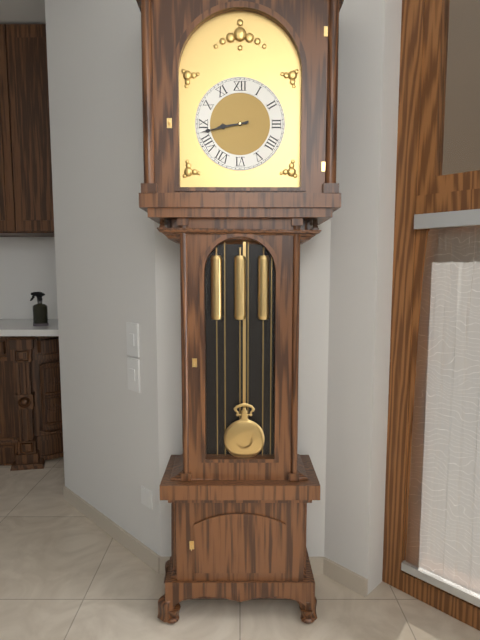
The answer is {"hour": 8, "minute": 43}
